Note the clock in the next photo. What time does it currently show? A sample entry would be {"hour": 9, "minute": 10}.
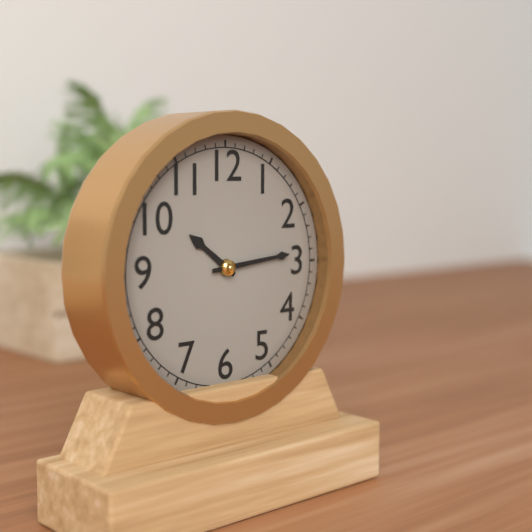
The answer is {"hour": 10, "minute": 14}
